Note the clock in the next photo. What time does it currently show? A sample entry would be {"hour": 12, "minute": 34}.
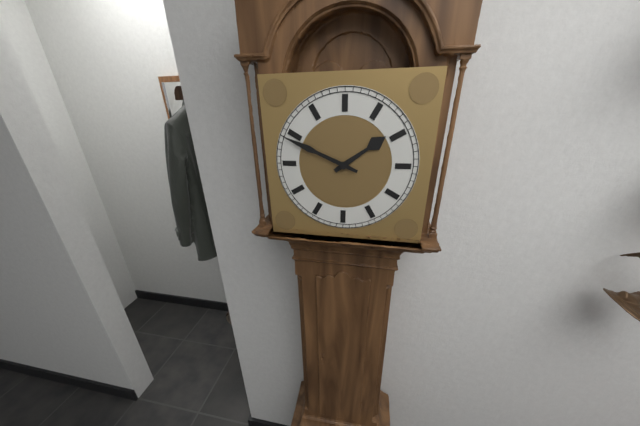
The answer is {"hour": 1, "minute": 49}
